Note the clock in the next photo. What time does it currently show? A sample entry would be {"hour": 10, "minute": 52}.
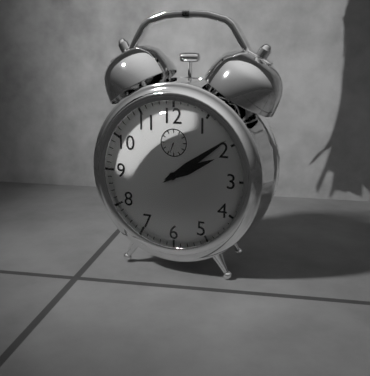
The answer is {"hour": 2, "minute": 9}
